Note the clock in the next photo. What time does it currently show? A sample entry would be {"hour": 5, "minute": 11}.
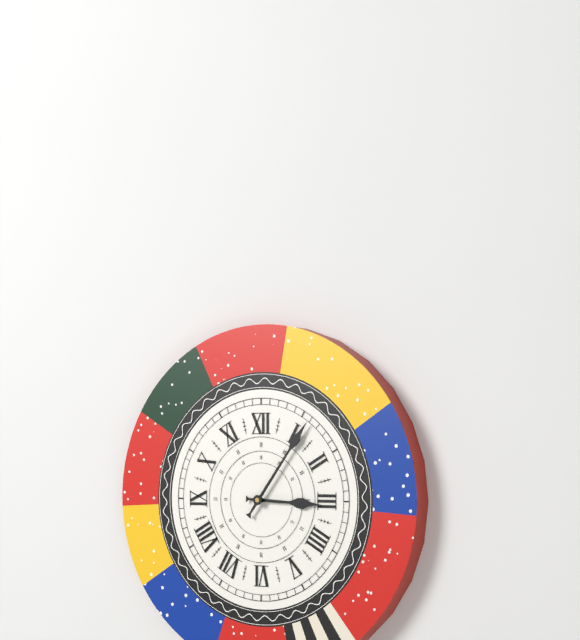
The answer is {"hour": 3, "minute": 6}
